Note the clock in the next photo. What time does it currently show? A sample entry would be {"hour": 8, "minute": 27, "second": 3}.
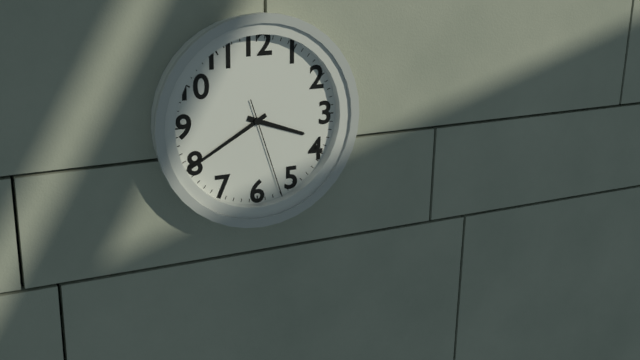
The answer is {"hour": 3, "minute": 40, "second": 27}
